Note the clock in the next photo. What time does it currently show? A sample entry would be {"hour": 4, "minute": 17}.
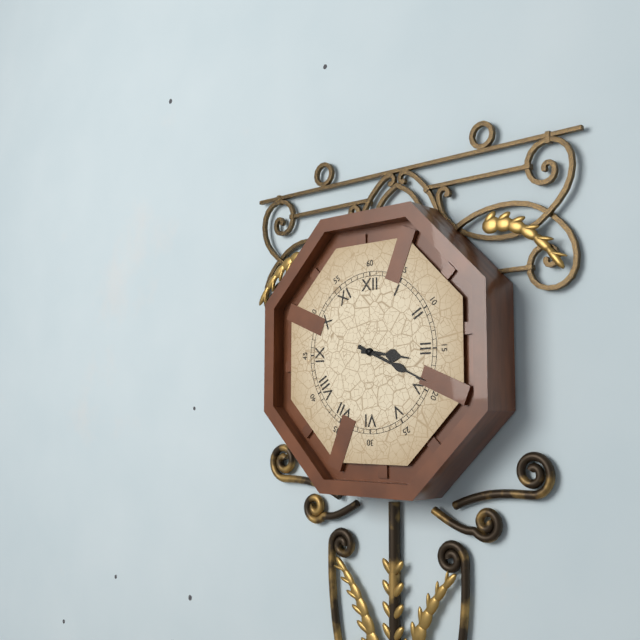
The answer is {"hour": 3, "minute": 19}
